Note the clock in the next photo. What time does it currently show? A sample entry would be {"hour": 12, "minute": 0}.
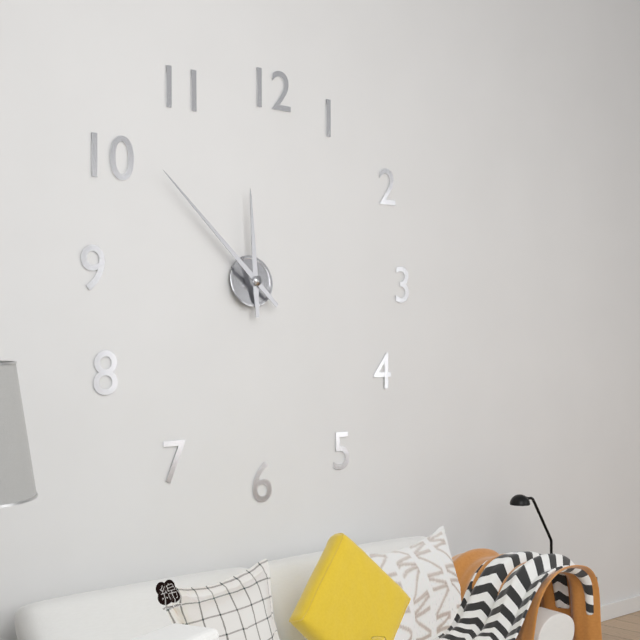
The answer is {"hour": 11, "minute": 52}
